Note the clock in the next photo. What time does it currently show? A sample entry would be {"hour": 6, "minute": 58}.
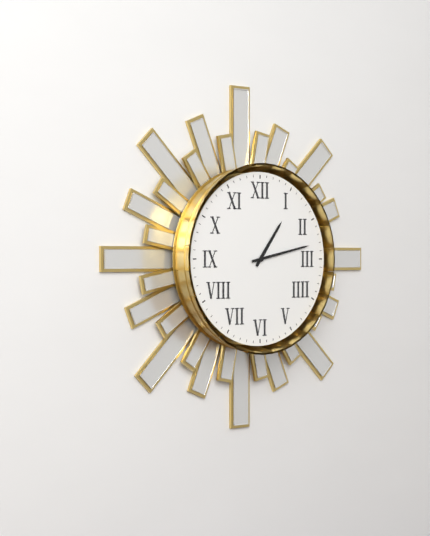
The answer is {"hour": 1, "minute": 13}
